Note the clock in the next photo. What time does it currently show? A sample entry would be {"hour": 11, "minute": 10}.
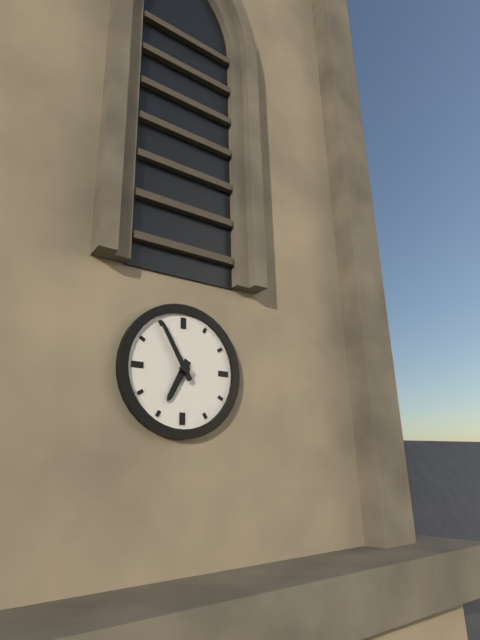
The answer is {"hour": 6, "minute": 55}
